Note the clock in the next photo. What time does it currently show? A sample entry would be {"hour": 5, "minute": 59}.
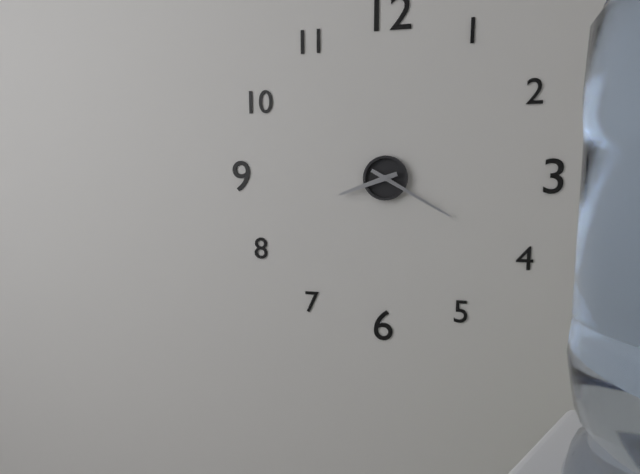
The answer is {"hour": 8, "minute": 20}
